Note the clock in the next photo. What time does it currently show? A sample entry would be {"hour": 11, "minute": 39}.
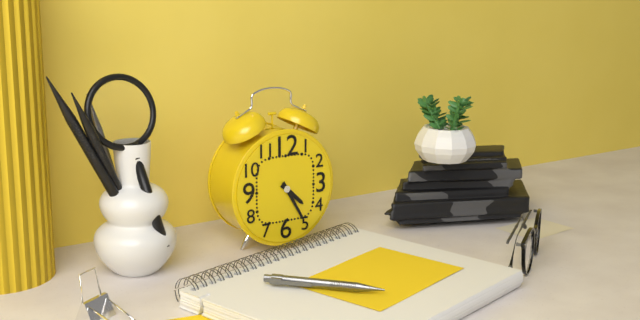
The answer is {"hour": 4, "minute": 25}
